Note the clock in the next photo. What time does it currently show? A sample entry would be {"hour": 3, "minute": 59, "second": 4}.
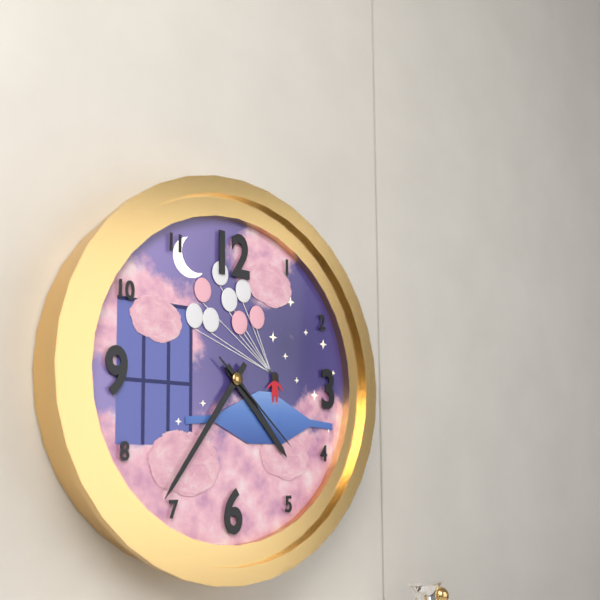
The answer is {"hour": 4, "minute": 36, "second": 22}
